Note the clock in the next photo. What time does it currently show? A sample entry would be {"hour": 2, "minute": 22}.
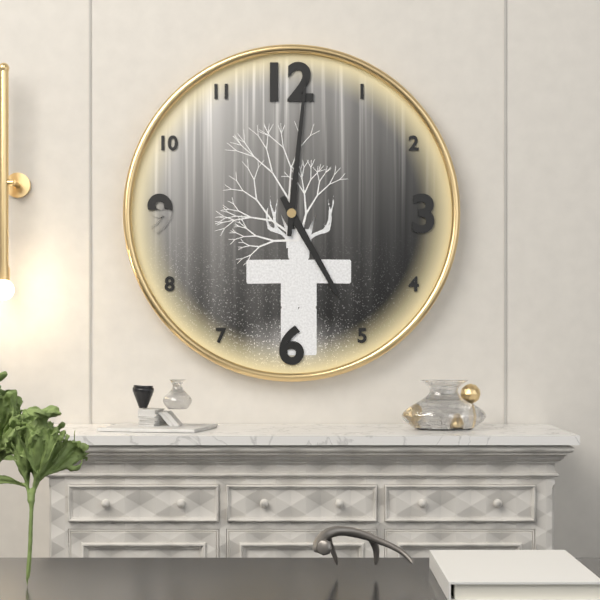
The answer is {"hour": 5, "minute": 1}
